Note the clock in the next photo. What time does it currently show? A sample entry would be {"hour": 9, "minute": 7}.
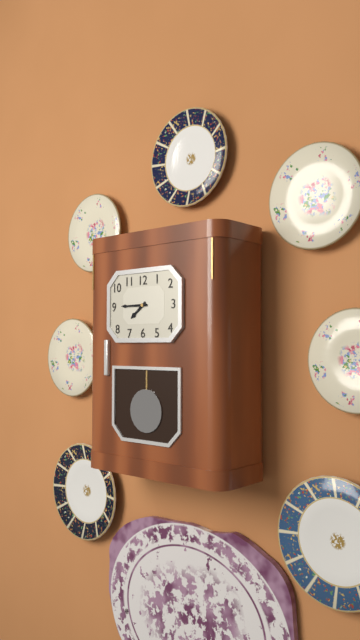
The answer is {"hour": 7, "minute": 45}
